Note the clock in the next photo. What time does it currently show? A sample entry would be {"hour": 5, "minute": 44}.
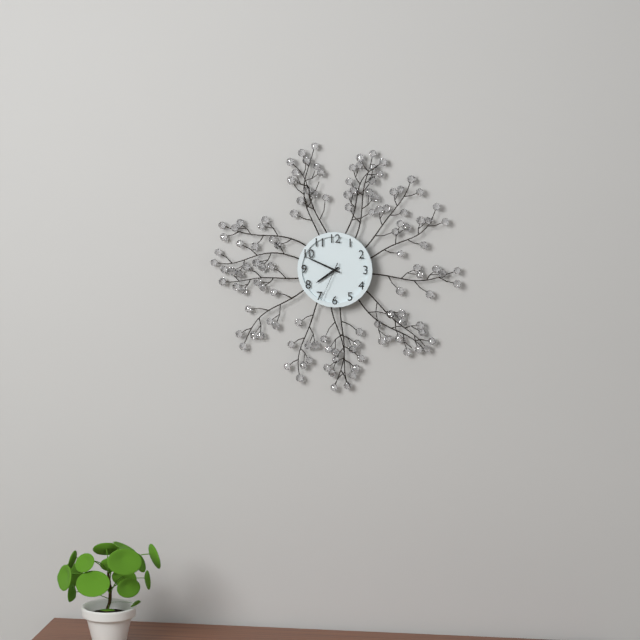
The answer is {"hour": 7, "minute": 49}
